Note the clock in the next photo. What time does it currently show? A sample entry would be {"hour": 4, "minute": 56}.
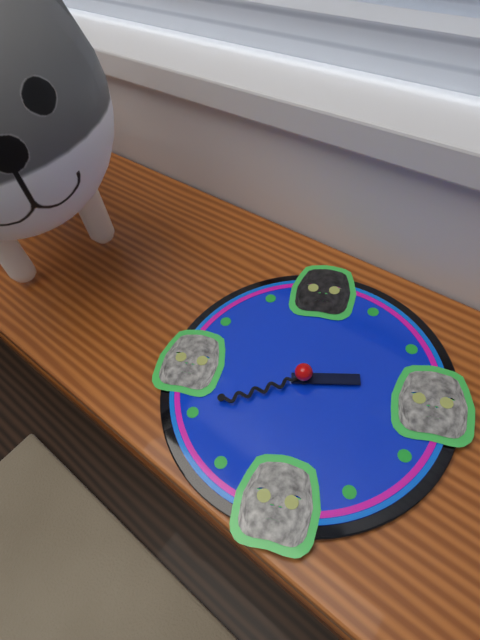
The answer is {"hour": 2, "minute": 40}
